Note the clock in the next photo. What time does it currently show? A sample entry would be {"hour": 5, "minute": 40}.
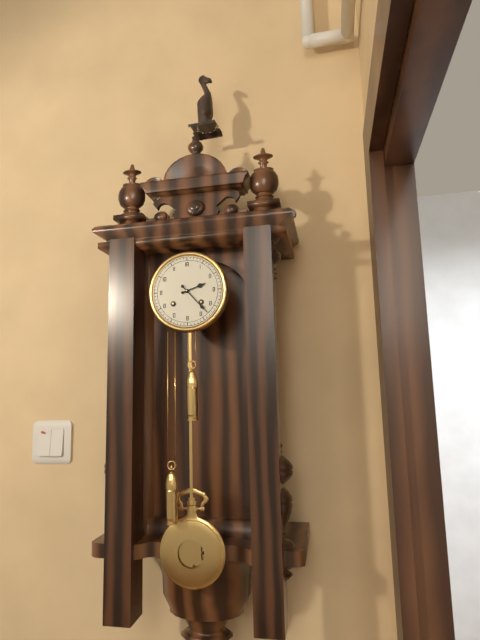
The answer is {"hour": 2, "minute": 23}
